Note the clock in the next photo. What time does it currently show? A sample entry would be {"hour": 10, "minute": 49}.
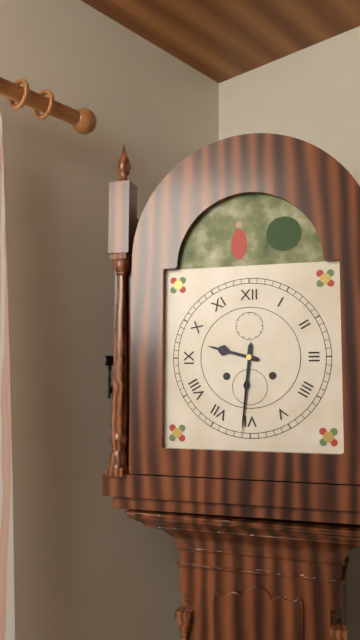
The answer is {"hour": 9, "minute": 31}
